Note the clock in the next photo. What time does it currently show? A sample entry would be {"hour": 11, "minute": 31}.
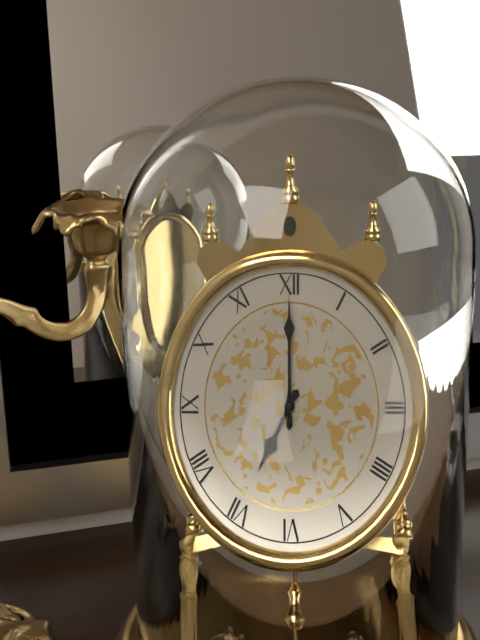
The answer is {"hour": 7, "minute": 0}
